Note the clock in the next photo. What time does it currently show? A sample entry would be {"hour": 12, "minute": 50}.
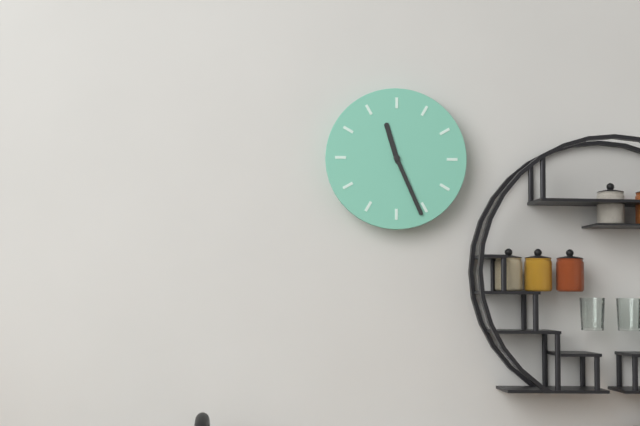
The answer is {"hour": 11, "minute": 26}
